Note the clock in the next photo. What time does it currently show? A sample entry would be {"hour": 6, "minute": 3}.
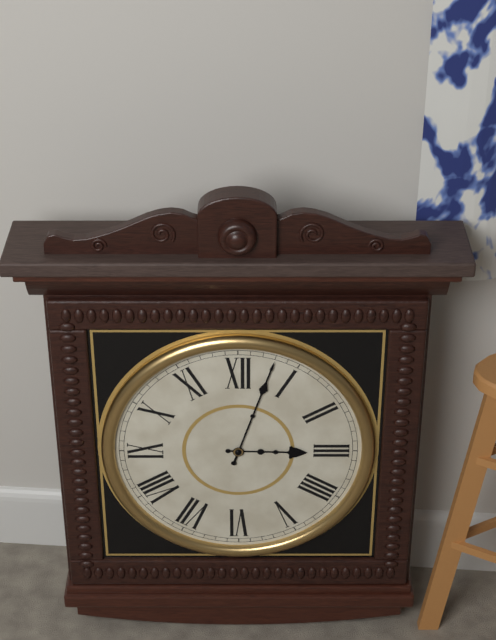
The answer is {"hour": 3, "minute": 3}
